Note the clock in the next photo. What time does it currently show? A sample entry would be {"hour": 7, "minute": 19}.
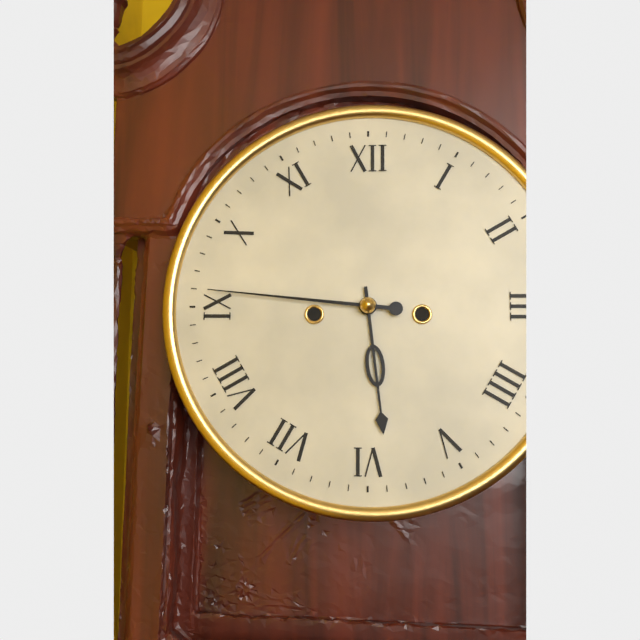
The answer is {"hour": 5, "minute": 46}
